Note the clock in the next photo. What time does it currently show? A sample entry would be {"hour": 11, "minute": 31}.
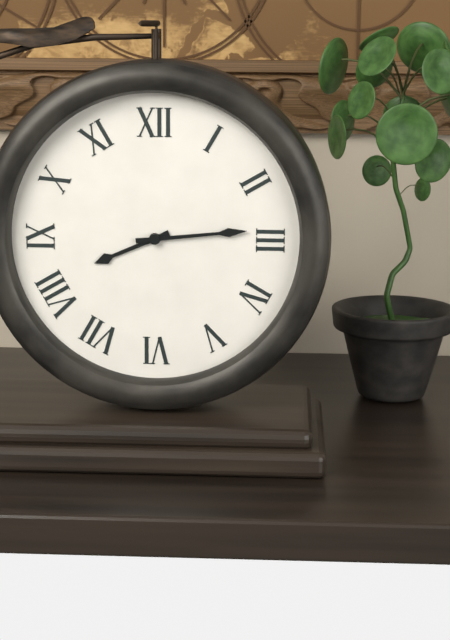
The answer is {"hour": 8, "minute": 14}
